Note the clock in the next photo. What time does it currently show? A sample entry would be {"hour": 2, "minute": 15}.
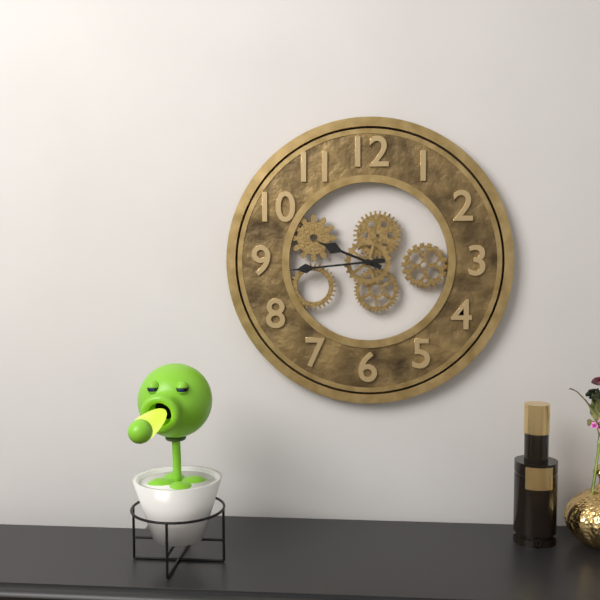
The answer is {"hour": 9, "minute": 44}
